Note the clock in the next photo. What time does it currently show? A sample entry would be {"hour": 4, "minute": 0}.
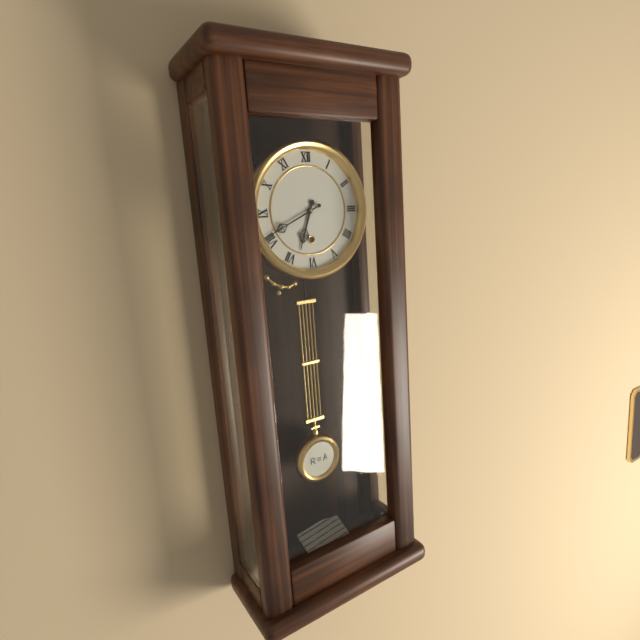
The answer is {"hour": 6, "minute": 41}
